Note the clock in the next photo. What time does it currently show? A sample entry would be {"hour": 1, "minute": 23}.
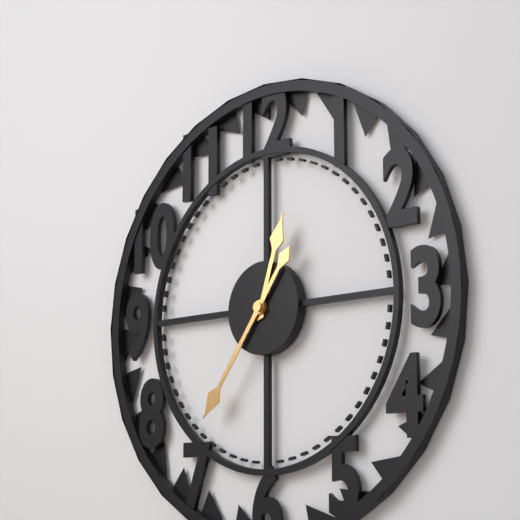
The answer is {"hour": 12, "minute": 36}
